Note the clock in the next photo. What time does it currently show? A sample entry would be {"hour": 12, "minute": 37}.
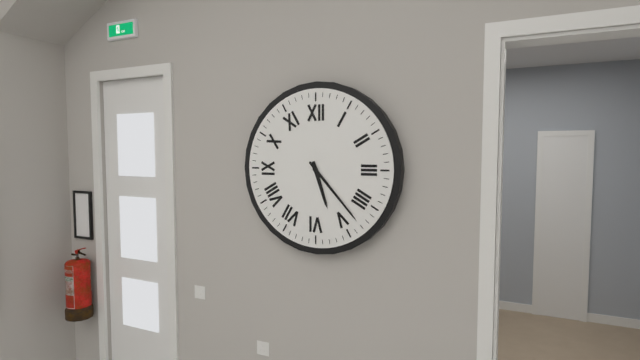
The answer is {"hour": 5, "minute": 23}
